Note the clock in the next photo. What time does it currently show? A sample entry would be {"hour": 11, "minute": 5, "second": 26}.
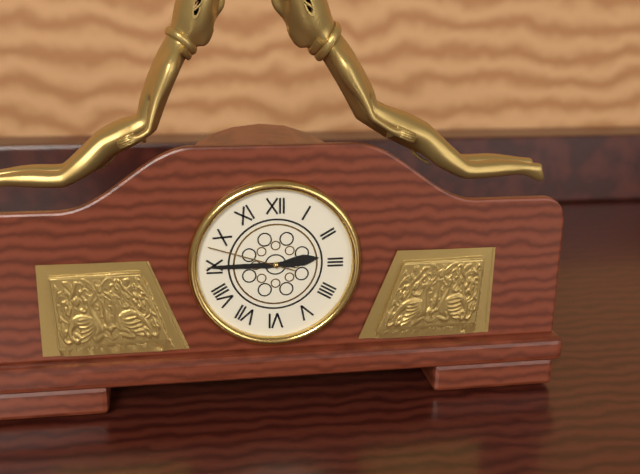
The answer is {"hour": 2, "minute": 45, "second": 48}
